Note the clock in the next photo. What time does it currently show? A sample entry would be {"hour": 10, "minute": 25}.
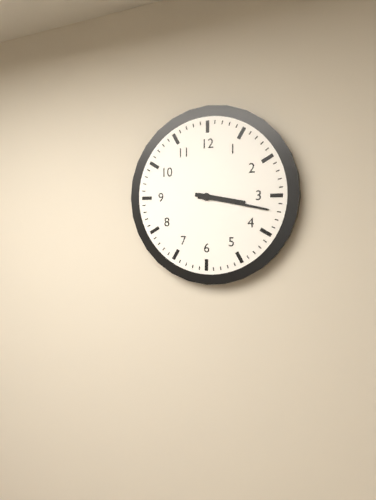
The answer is {"hour": 3, "minute": 17}
